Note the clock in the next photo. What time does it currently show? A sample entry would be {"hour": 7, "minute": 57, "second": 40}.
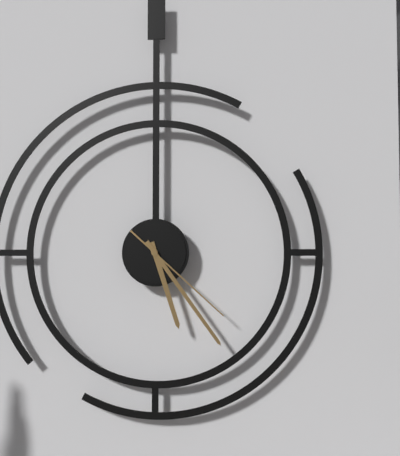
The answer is {"hour": 5, "minute": 24, "second": 22}
